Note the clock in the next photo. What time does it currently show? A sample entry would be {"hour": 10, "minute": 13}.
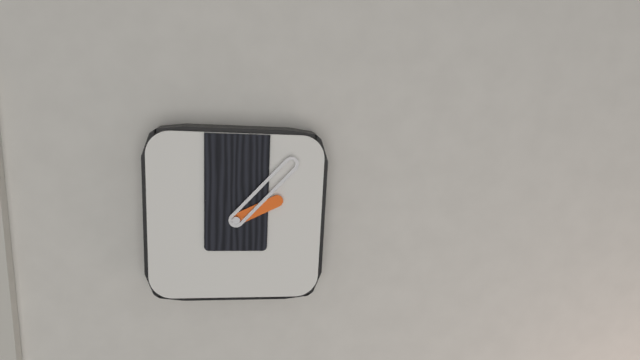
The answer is {"hour": 2, "minute": 7}
